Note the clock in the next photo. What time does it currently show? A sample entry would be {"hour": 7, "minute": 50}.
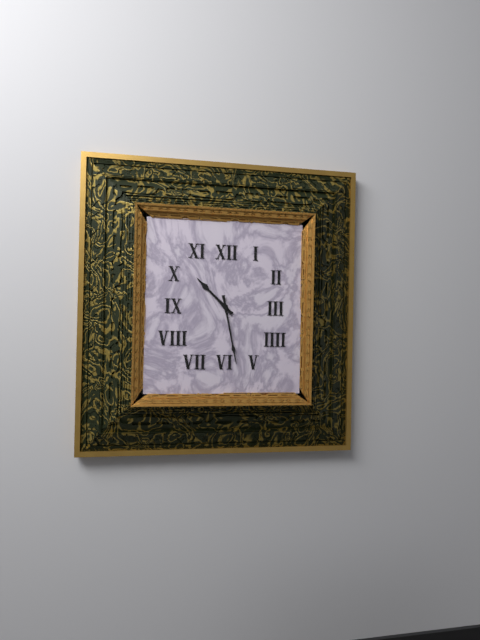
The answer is {"hour": 10, "minute": 28}
